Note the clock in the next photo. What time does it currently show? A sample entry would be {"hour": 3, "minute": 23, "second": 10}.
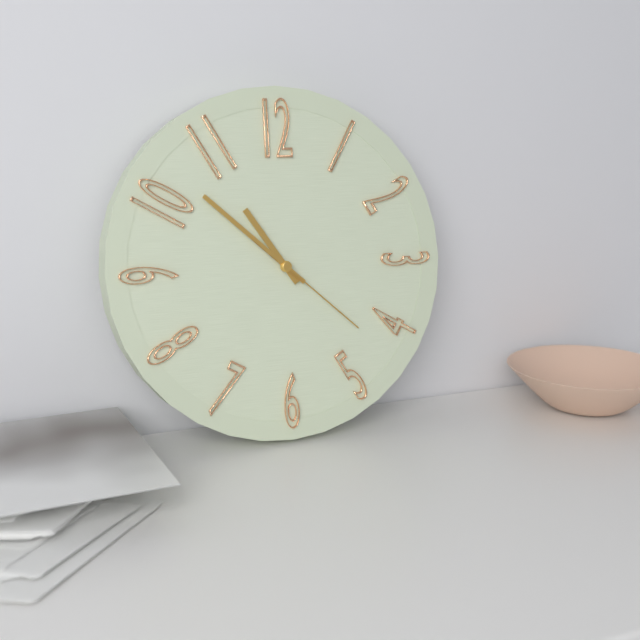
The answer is {"hour": 10, "minute": 52, "second": 22}
